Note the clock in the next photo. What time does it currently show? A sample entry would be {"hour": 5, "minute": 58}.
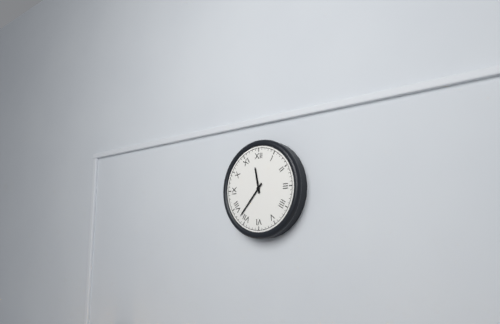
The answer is {"hour": 11, "minute": 37}
